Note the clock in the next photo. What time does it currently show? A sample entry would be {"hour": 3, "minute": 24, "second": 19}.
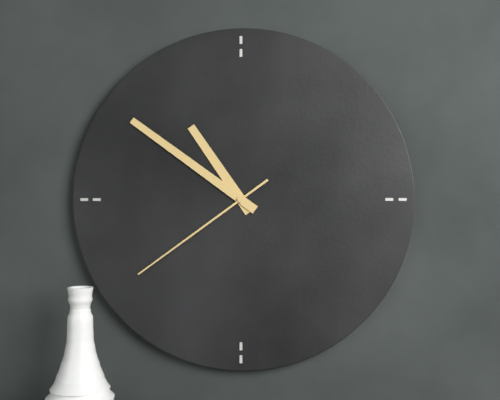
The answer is {"hour": 10, "minute": 51, "second": 39}
